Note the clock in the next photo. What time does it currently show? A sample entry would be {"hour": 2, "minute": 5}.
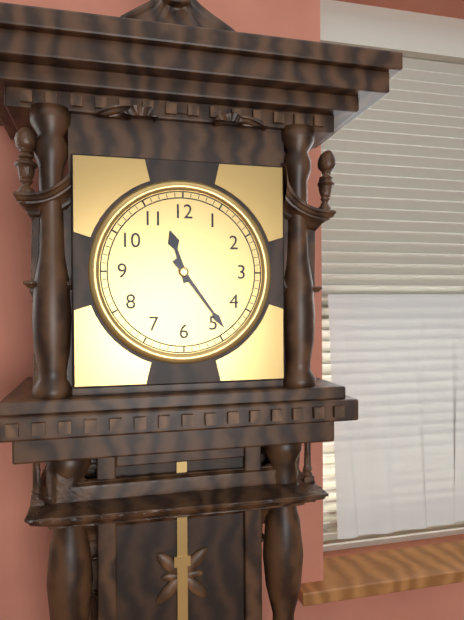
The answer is {"hour": 11, "minute": 24}
